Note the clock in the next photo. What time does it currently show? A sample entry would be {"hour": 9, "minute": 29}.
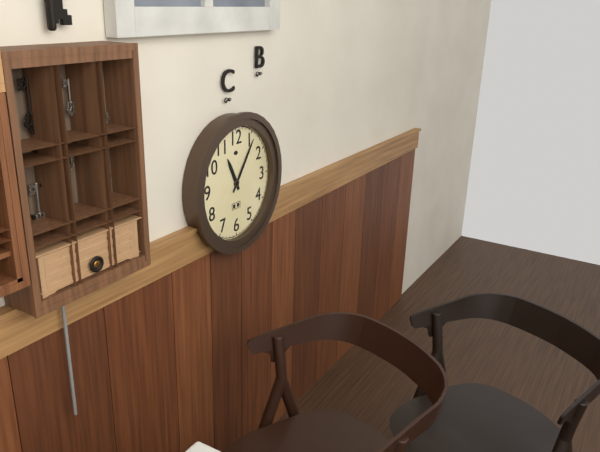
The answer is {"hour": 11, "minute": 6}
